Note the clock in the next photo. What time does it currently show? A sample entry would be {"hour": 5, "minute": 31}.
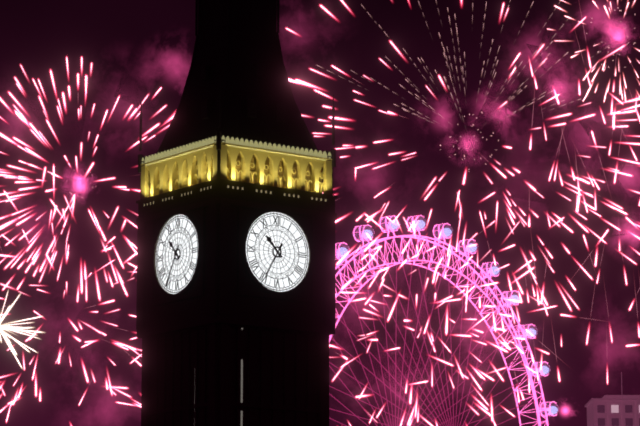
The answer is {"hour": 10, "minute": 35}
